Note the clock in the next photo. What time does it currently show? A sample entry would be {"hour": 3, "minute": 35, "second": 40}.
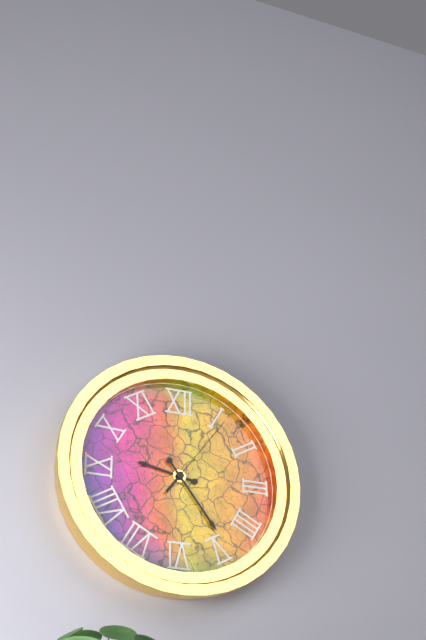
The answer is {"hour": 9, "minute": 24, "second": 6}
